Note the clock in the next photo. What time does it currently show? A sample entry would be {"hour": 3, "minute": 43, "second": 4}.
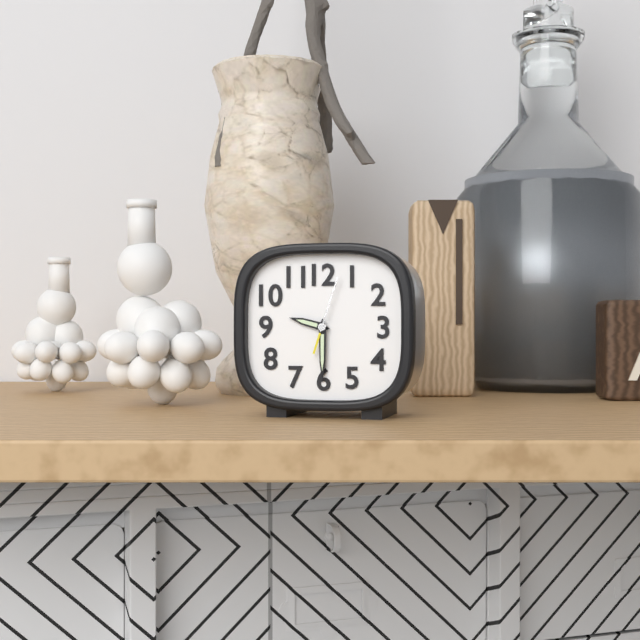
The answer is {"hour": 9, "minute": 30, "second": 3}
